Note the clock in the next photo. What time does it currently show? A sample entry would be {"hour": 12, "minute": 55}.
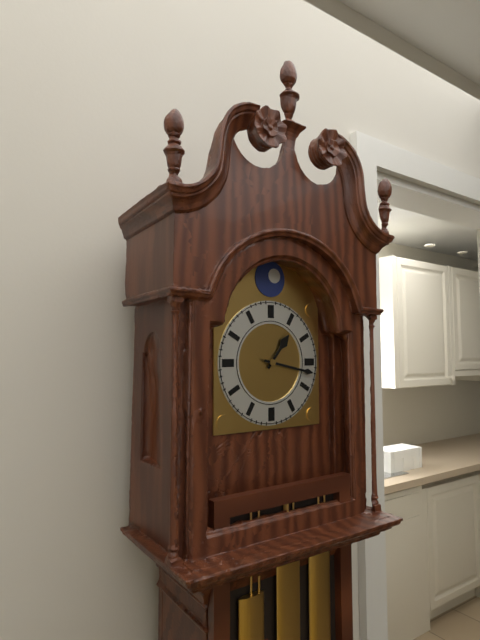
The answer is {"hour": 1, "minute": 17}
